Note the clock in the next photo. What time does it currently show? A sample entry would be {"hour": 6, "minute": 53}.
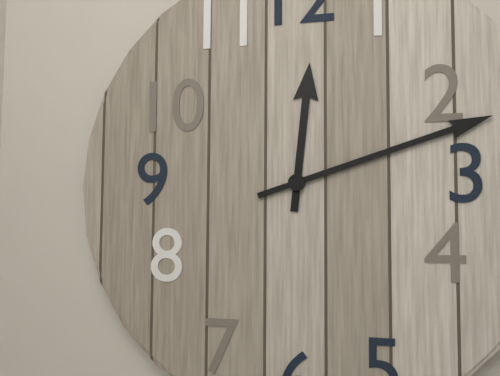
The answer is {"hour": 12, "minute": 12}
